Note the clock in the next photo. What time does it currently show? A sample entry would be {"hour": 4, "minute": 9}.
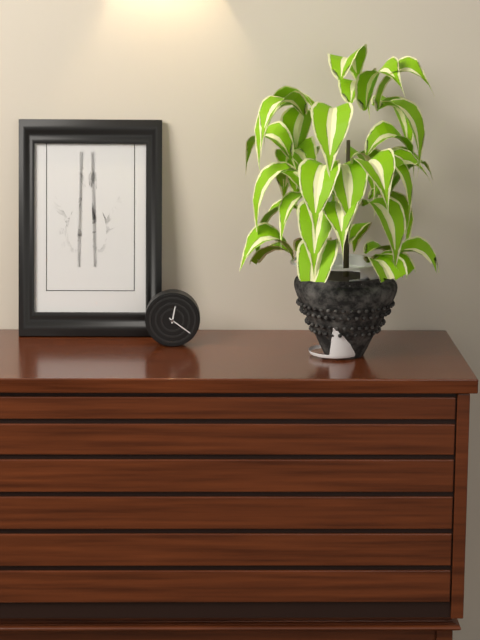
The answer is {"hour": 12, "minute": 21}
